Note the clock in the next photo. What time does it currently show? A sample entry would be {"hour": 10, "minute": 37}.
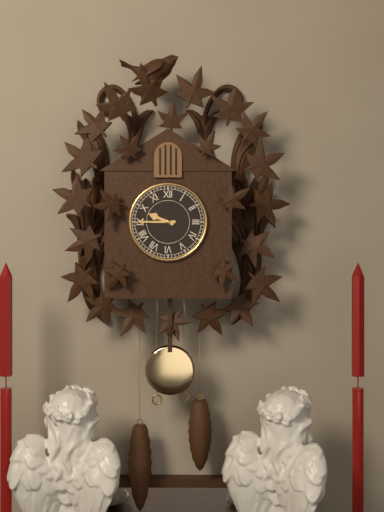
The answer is {"hour": 9, "minute": 45}
